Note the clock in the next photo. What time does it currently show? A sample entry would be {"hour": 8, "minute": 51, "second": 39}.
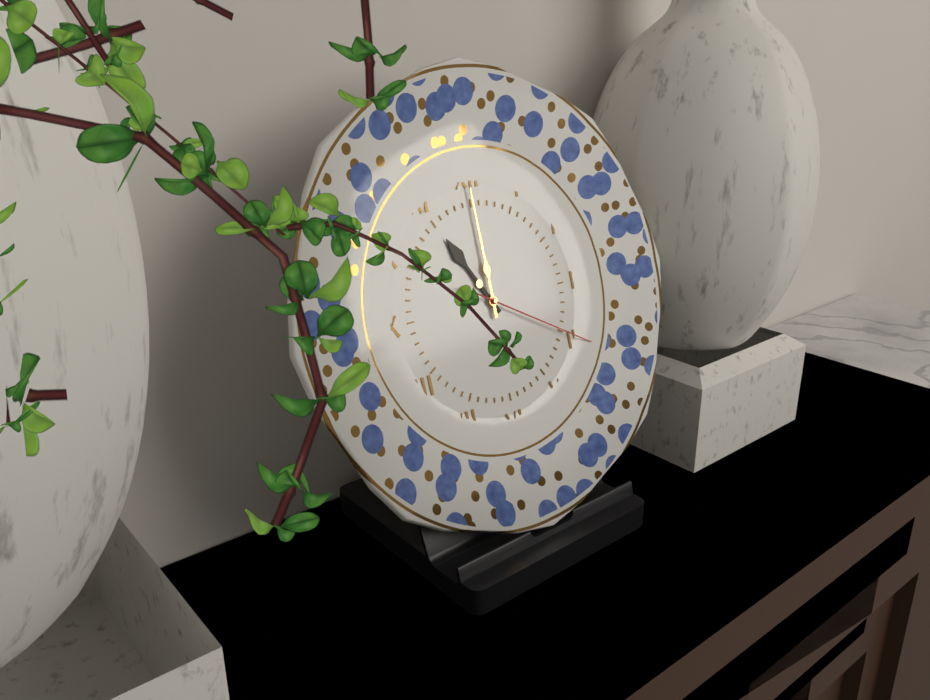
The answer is {"hour": 11, "minute": 0, "second": 20}
